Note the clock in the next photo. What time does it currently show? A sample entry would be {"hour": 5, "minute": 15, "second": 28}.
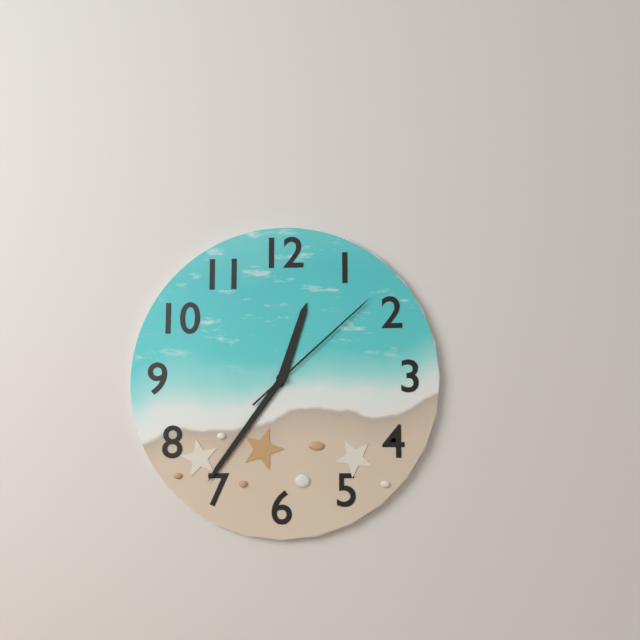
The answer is {"hour": 12, "minute": 36, "second": 8}
